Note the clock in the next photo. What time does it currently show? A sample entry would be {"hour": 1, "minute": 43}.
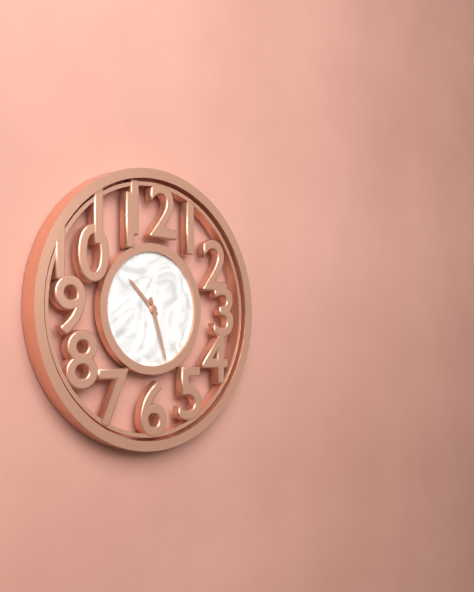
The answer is {"hour": 10, "minute": 27}
